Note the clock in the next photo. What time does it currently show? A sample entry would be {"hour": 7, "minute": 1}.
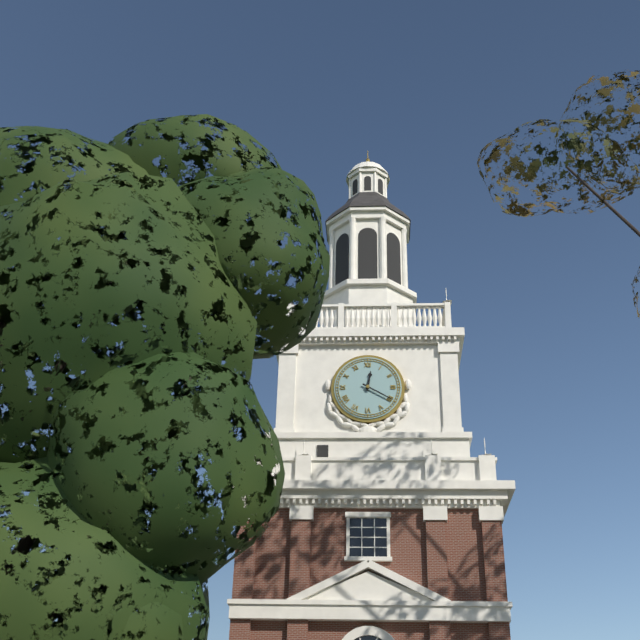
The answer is {"hour": 12, "minute": 20}
